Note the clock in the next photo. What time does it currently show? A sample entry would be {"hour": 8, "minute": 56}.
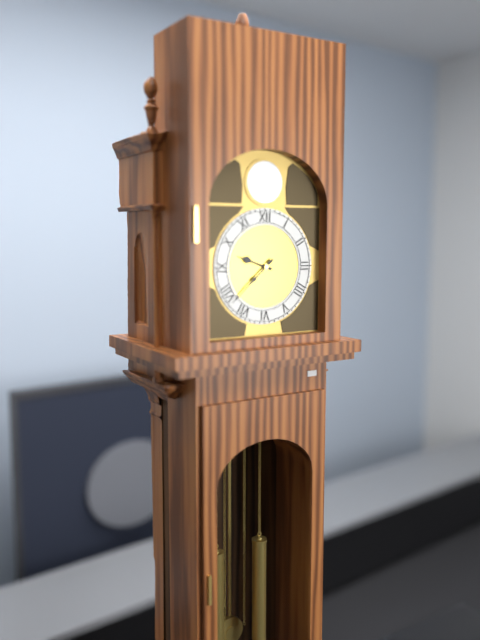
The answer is {"hour": 9, "minute": 38}
